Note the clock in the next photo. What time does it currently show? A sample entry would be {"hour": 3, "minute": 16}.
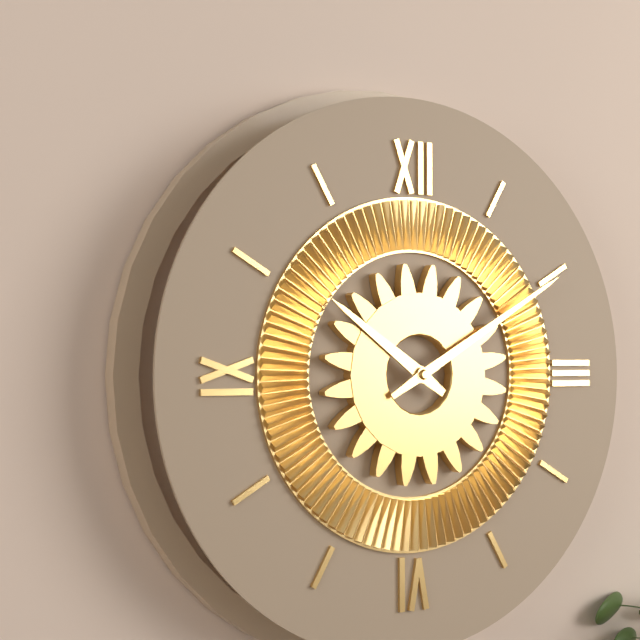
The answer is {"hour": 10, "minute": 10}
